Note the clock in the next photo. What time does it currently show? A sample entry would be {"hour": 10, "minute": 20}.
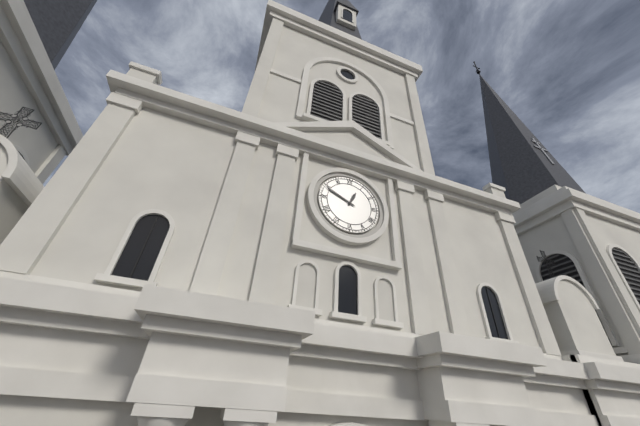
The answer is {"hour": 12, "minute": 49}
